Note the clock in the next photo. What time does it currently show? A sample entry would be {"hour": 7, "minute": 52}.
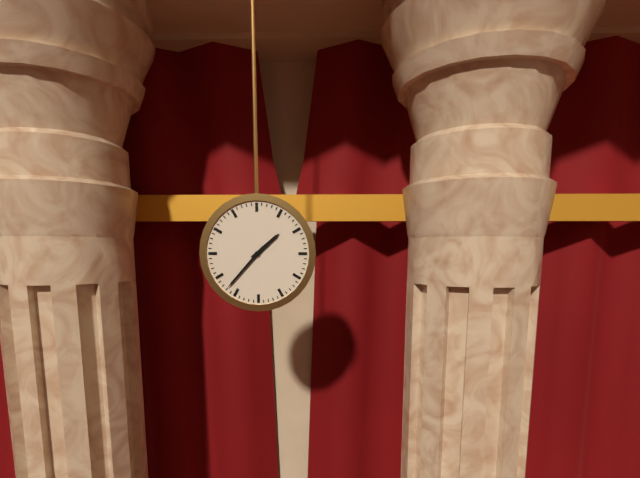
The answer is {"hour": 1, "minute": 37}
